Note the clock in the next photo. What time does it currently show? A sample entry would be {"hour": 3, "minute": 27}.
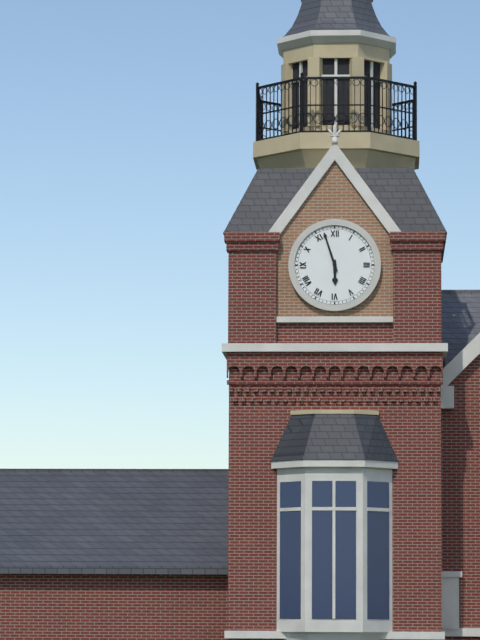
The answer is {"hour": 5, "minute": 57}
